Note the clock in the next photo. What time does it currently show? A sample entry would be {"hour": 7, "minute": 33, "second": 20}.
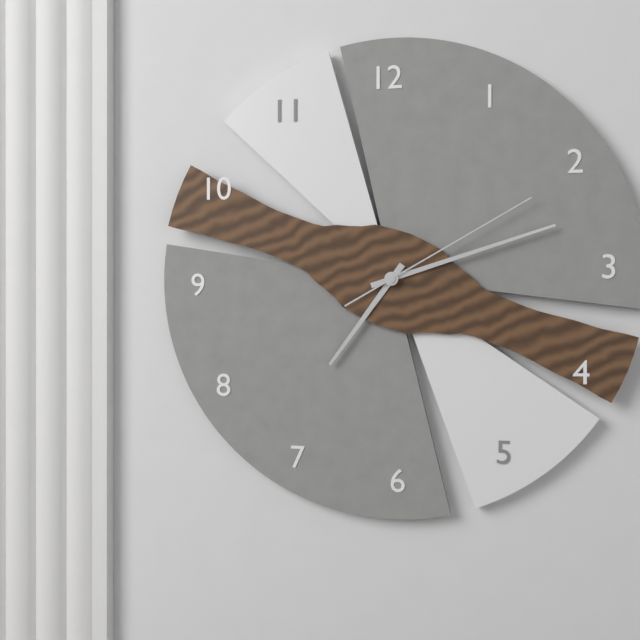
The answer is {"hour": 7, "minute": 12, "second": 10}
